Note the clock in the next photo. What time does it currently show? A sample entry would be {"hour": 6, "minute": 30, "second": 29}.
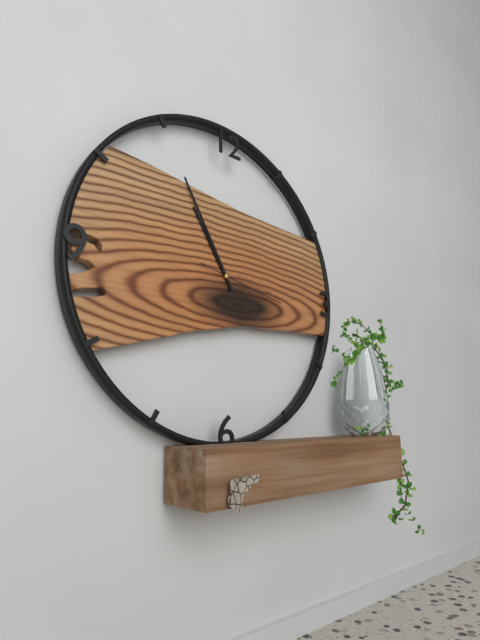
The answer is {"hour": 10, "minute": 55, "second": 17}
